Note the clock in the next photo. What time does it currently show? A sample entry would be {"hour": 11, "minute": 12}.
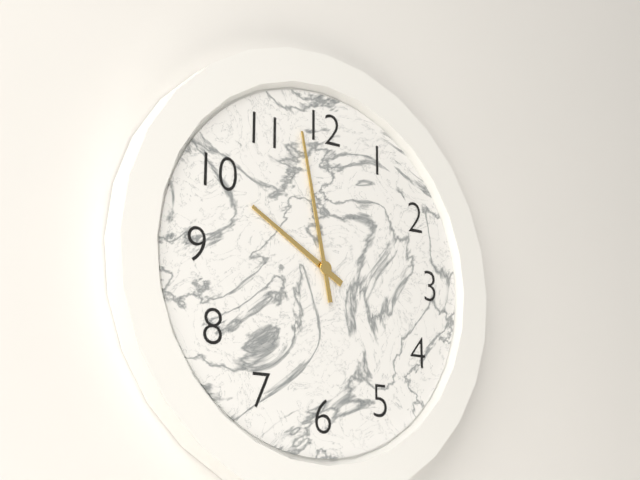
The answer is {"hour": 9, "minute": 58}
